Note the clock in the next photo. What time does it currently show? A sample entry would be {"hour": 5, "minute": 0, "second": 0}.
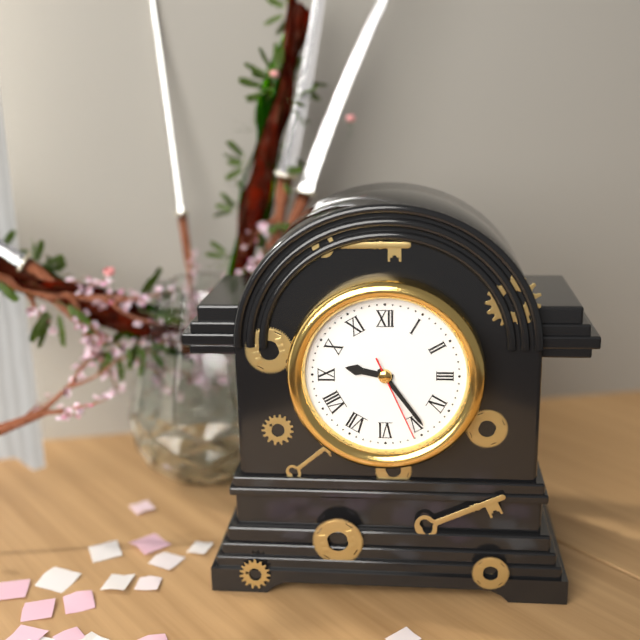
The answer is {"hour": 9, "minute": 24, "second": 26}
